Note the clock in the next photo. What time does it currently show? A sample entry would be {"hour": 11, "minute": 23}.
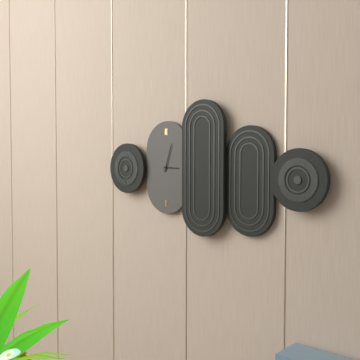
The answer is {"hour": 3, "minute": 3}
